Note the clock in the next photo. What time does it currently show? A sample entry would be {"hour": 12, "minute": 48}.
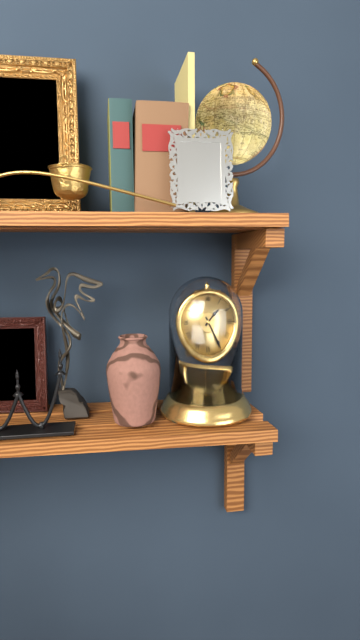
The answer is {"hour": 1, "minute": 25}
